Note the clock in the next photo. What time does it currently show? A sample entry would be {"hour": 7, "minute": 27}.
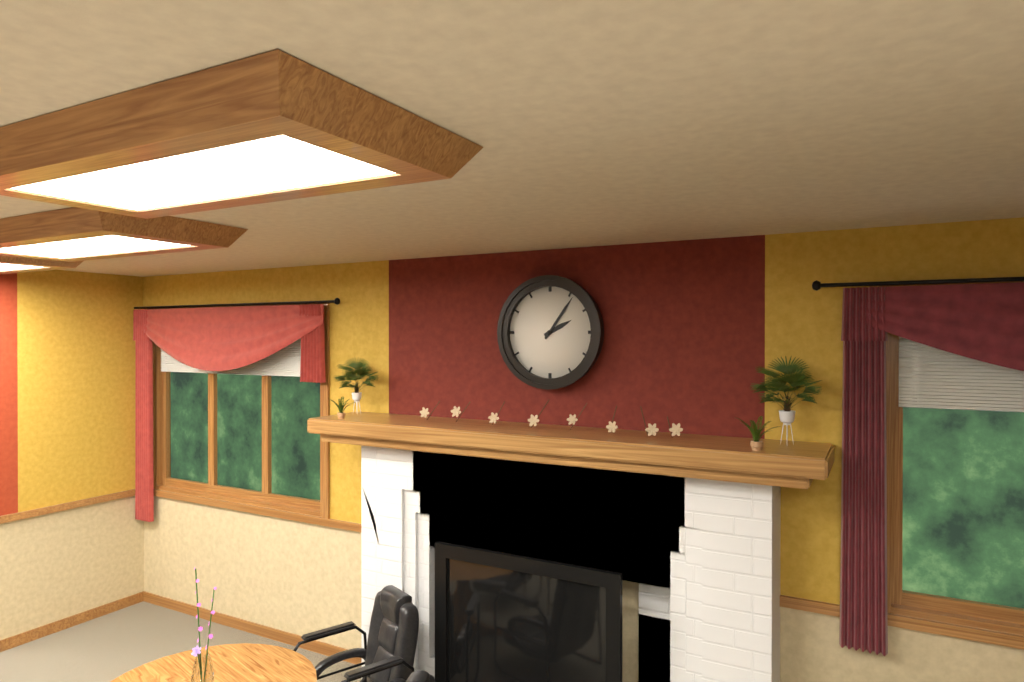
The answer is {"hour": 2, "minute": 6}
